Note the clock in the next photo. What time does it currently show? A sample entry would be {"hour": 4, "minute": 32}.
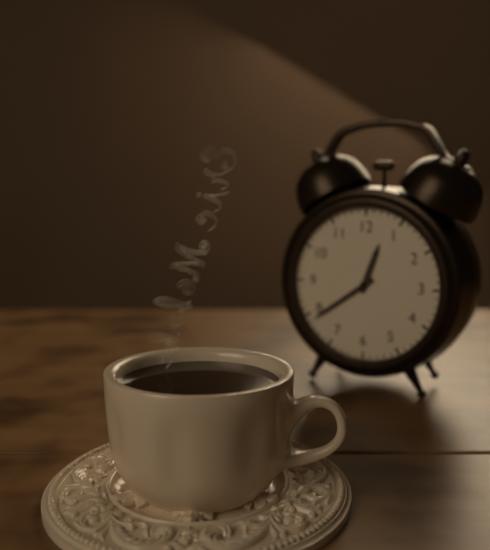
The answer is {"hour": 12, "minute": 39}
